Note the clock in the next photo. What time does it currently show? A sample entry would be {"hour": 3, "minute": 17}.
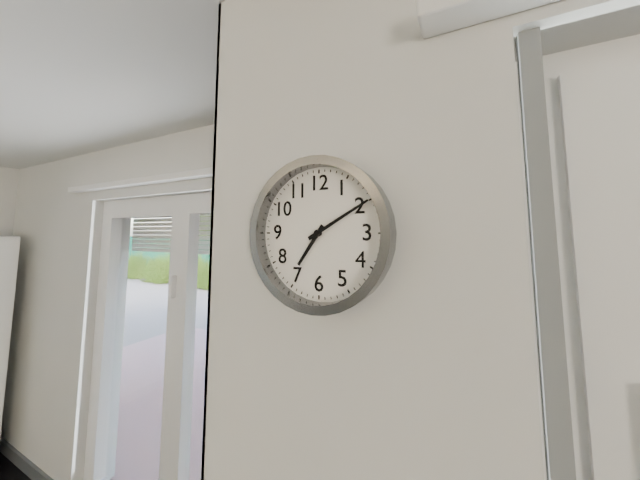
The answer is {"hour": 7, "minute": 10}
